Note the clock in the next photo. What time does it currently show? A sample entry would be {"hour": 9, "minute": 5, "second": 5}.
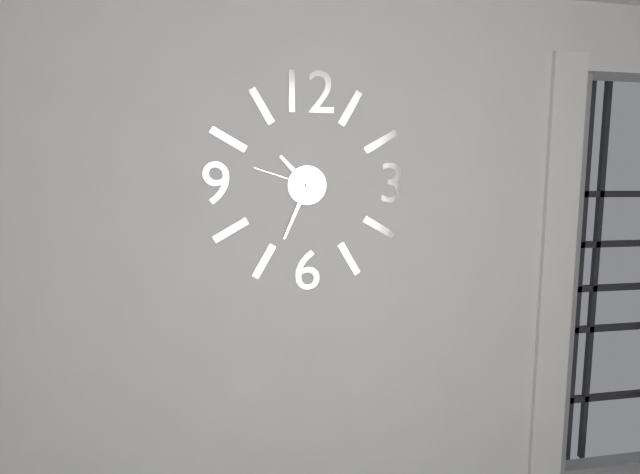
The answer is {"hour": 10, "minute": 34, "second": 48}
